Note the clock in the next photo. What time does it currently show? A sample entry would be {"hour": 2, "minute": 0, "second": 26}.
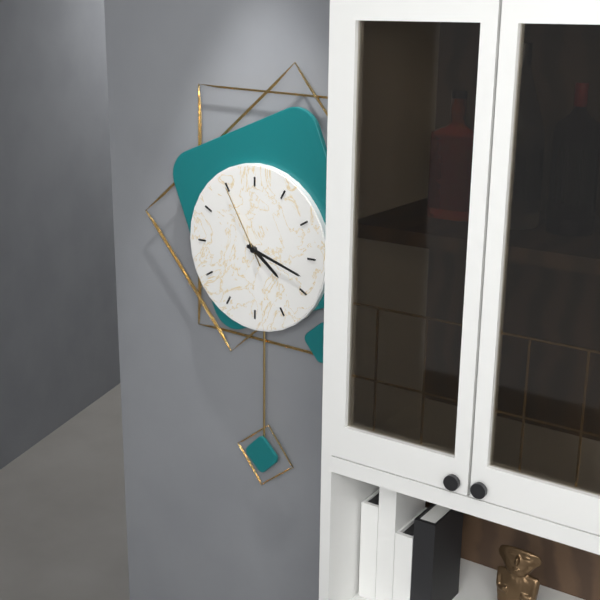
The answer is {"hour": 4, "minute": 18, "second": 55}
